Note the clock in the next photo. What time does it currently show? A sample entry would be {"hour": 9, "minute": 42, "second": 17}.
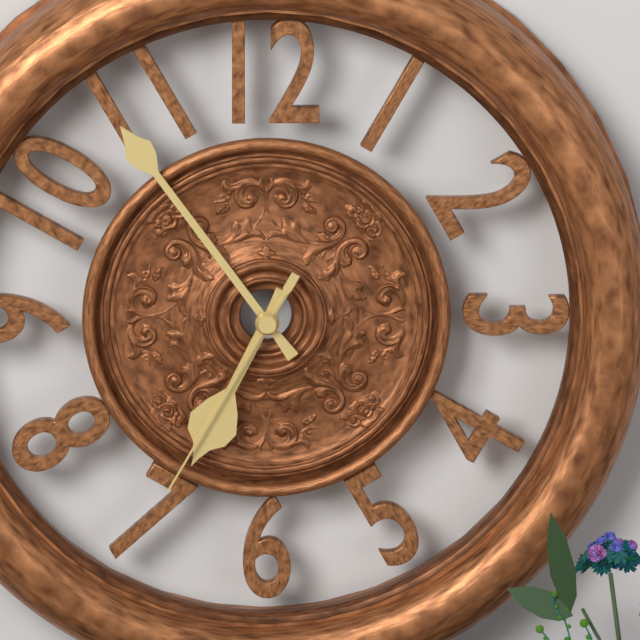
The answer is {"hour": 6, "minute": 54, "second": 35}
